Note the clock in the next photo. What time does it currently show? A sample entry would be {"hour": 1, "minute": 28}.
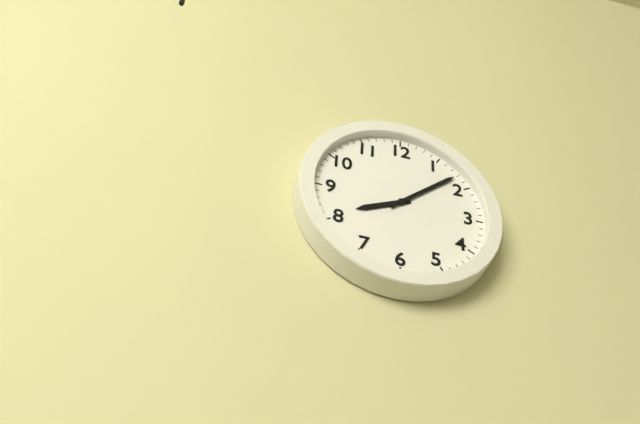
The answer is {"hour": 8, "minute": 8}
